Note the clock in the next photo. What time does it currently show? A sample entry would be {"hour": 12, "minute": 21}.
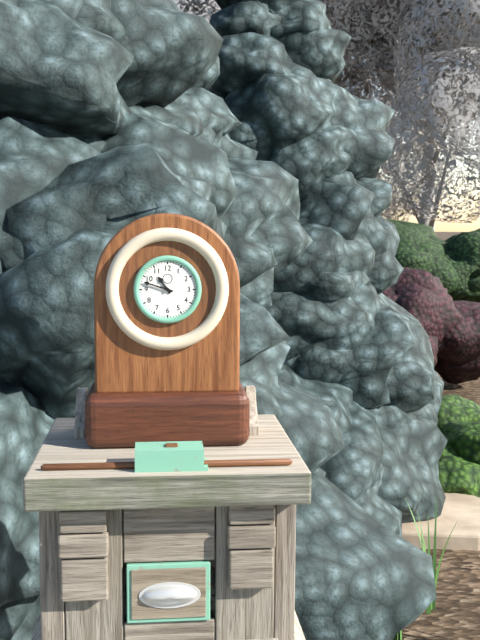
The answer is {"hour": 10, "minute": 48}
